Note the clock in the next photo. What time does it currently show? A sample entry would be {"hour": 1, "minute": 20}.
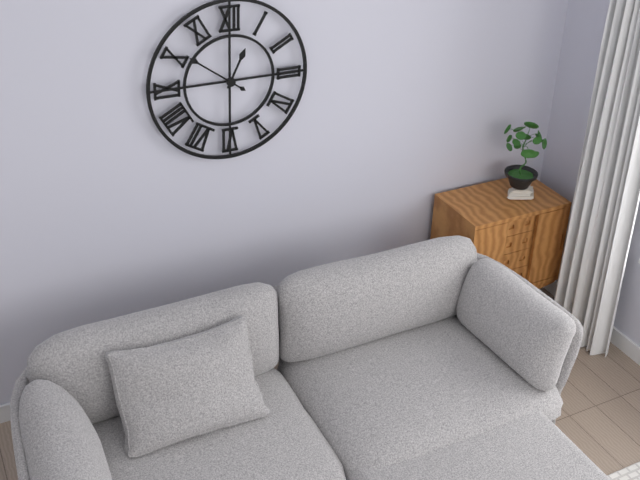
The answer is {"hour": 12, "minute": 51}
